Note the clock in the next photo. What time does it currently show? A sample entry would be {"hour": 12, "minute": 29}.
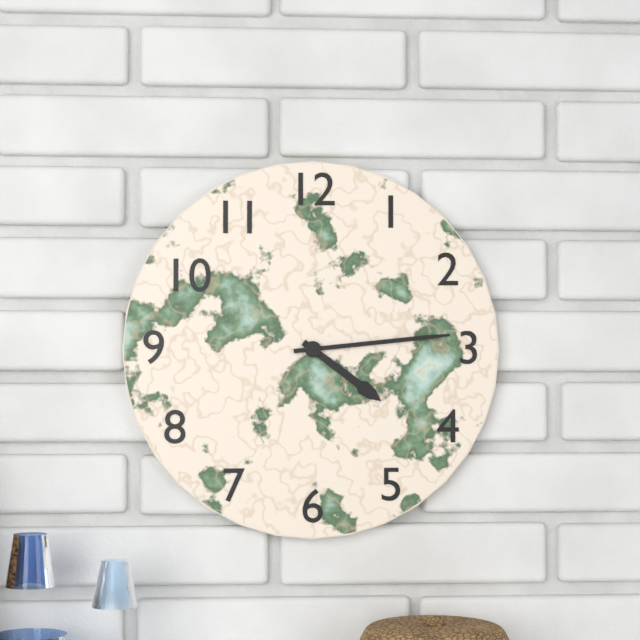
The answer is {"hour": 4, "minute": 14}
